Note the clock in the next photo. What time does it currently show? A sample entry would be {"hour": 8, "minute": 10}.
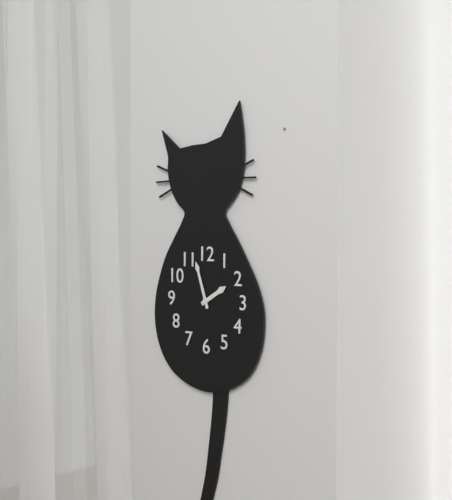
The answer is {"hour": 1, "minute": 57}
